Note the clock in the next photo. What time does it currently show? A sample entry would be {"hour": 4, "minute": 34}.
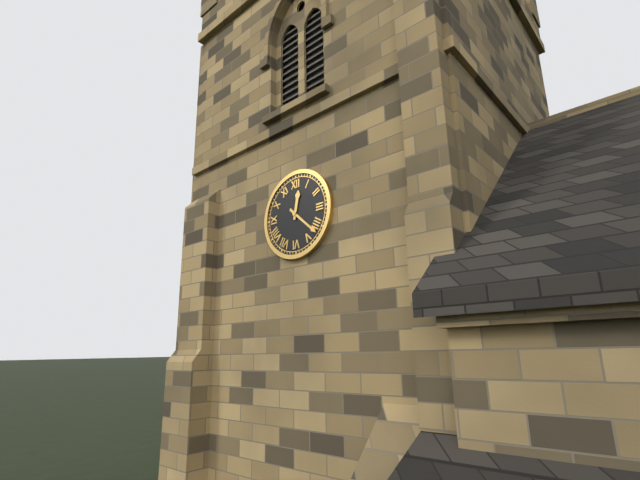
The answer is {"hour": 12, "minute": 22}
